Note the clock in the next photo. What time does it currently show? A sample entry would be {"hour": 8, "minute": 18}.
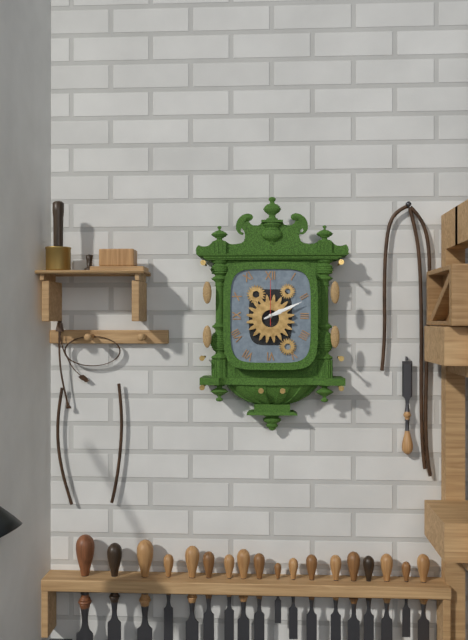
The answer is {"hour": 2, "minute": 11}
